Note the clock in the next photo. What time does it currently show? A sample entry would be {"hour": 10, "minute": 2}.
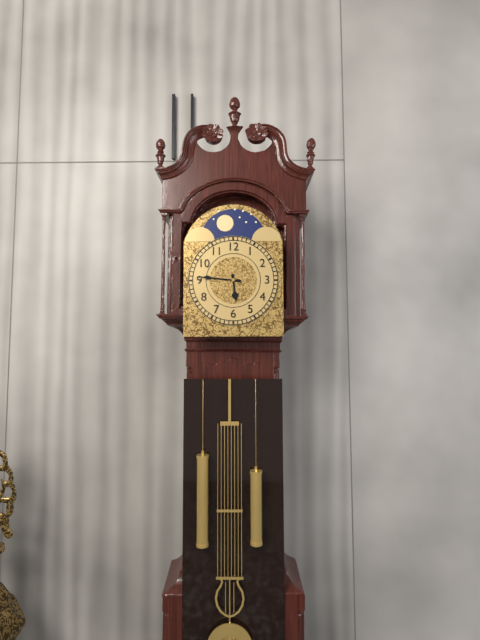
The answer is {"hour": 5, "minute": 46}
